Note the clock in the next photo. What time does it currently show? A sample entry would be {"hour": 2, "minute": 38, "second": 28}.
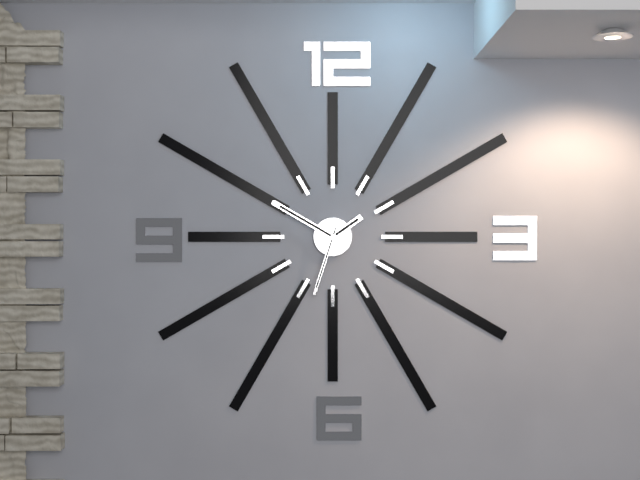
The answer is {"hour": 1, "minute": 50, "second": 33}
